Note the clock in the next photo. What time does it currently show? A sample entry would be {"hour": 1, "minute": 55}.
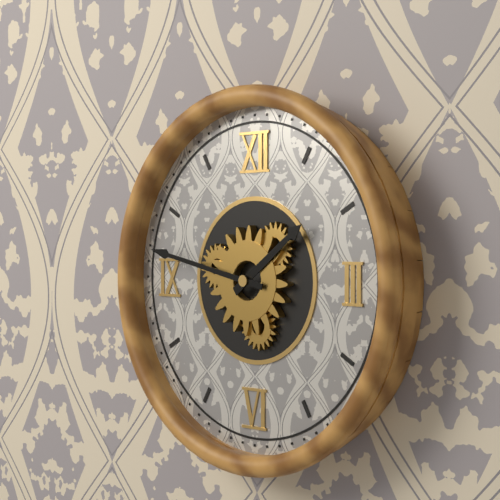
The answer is {"hour": 1, "minute": 47}
